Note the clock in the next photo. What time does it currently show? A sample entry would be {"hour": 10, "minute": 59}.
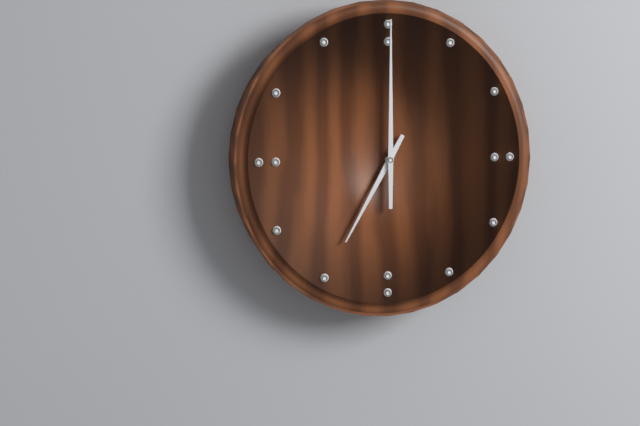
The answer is {"hour": 7, "minute": 0}
